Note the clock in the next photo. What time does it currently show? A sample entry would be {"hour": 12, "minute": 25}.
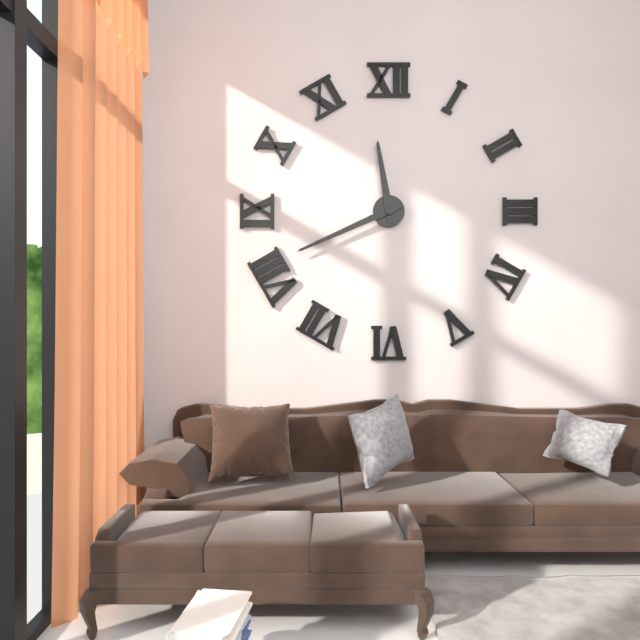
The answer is {"hour": 11, "minute": 41}
